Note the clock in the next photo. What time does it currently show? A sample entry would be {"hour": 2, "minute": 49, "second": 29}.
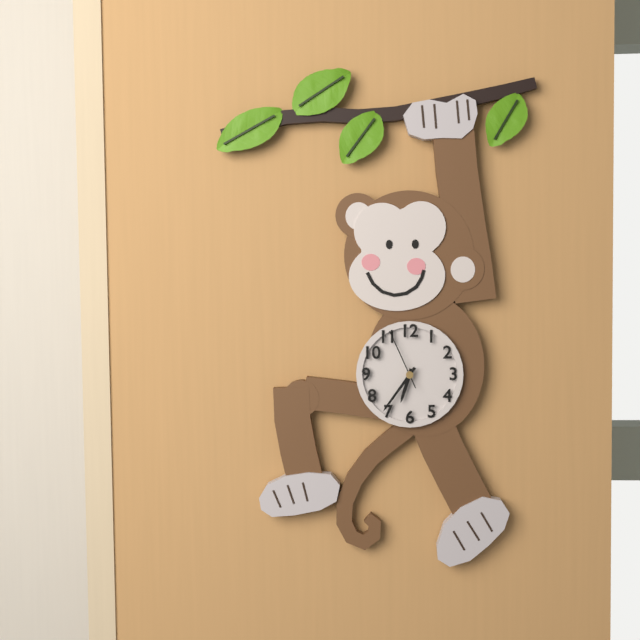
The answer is {"hour": 6, "minute": 36, "second": 56}
